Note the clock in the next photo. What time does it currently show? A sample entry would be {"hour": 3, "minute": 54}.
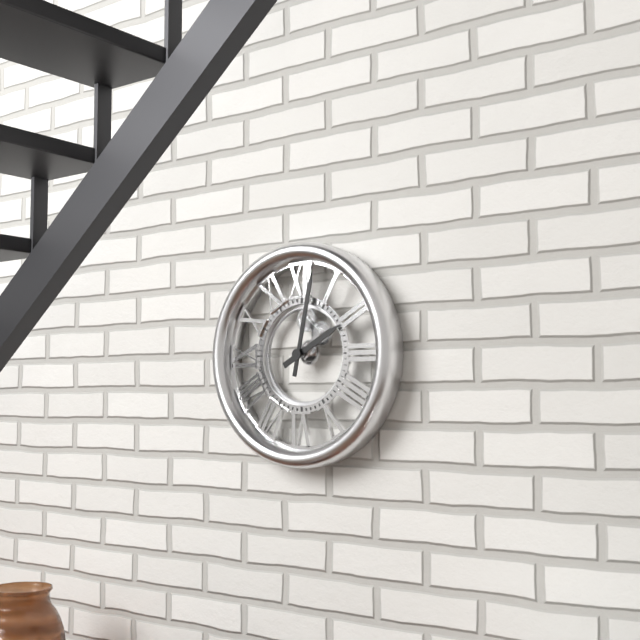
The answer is {"hour": 2, "minute": 2}
